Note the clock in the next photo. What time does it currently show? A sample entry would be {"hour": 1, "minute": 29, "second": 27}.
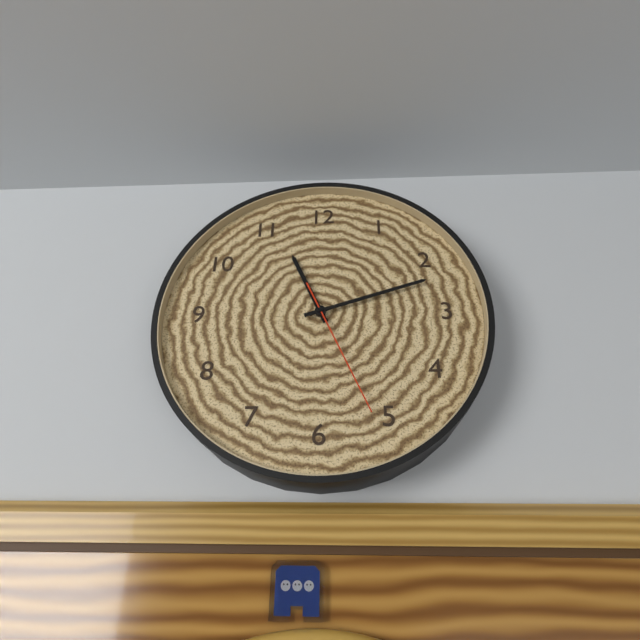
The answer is {"hour": 11, "minute": 12, "second": 26}
